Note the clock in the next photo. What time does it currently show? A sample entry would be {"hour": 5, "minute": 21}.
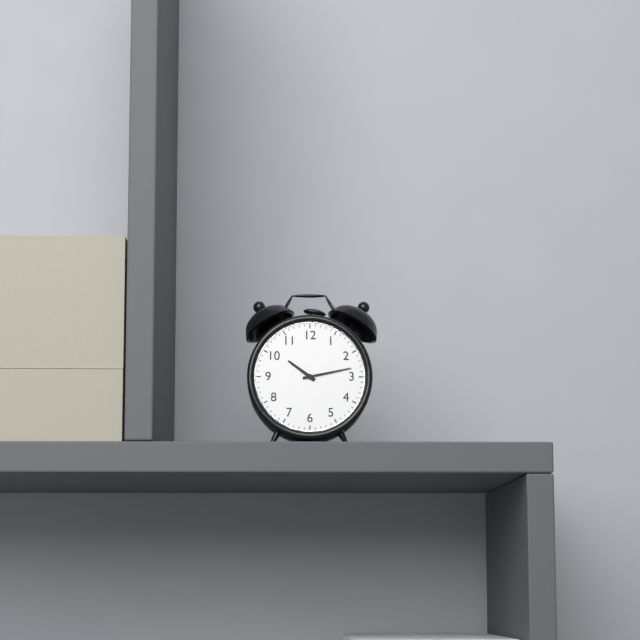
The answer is {"hour": 10, "minute": 13}
